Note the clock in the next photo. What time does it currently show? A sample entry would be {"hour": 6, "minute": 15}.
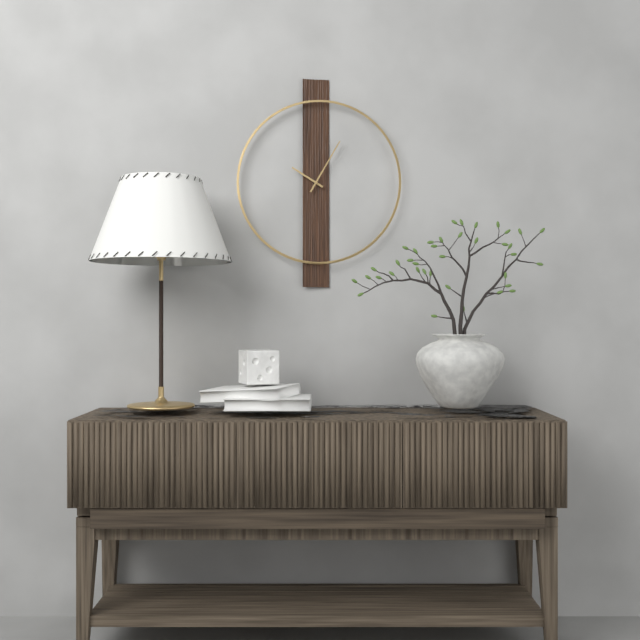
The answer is {"hour": 10, "minute": 5}
